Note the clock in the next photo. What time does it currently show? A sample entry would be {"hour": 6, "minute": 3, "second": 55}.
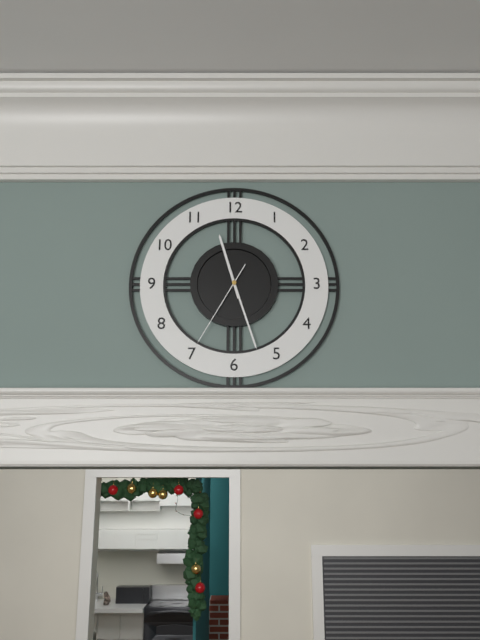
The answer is {"hour": 11, "minute": 27, "second": 35}
